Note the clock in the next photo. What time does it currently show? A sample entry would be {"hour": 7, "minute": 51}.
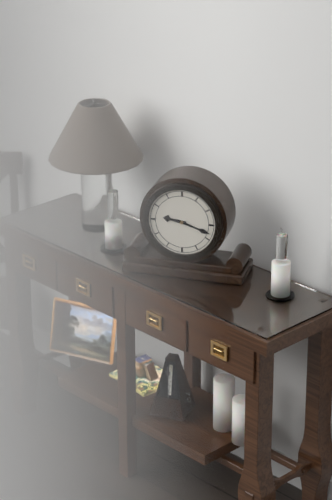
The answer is {"hour": 9, "minute": 18}
